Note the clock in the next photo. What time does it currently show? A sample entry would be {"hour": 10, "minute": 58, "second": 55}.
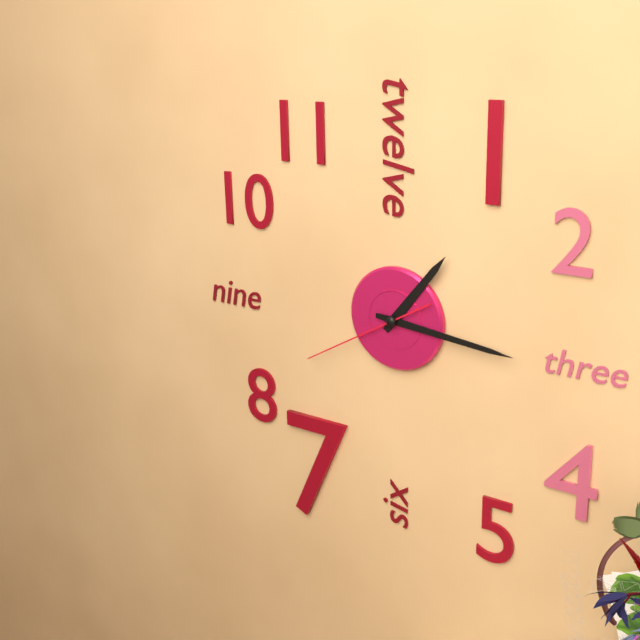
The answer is {"hour": 1, "minute": 16, "second": 40}
